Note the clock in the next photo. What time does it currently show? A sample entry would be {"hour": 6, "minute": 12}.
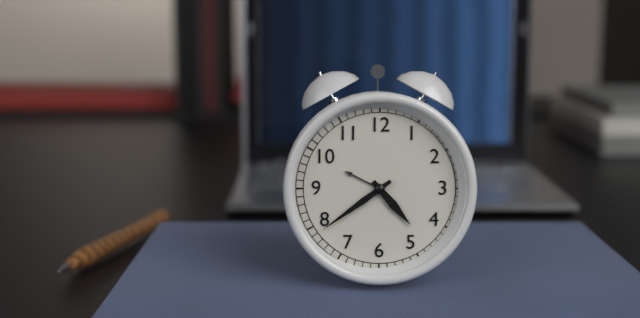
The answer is {"hour": 4, "minute": 39}
